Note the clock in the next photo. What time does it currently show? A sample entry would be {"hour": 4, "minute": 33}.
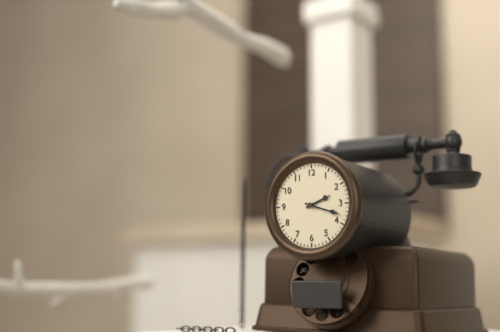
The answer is {"hour": 2, "minute": 18}
